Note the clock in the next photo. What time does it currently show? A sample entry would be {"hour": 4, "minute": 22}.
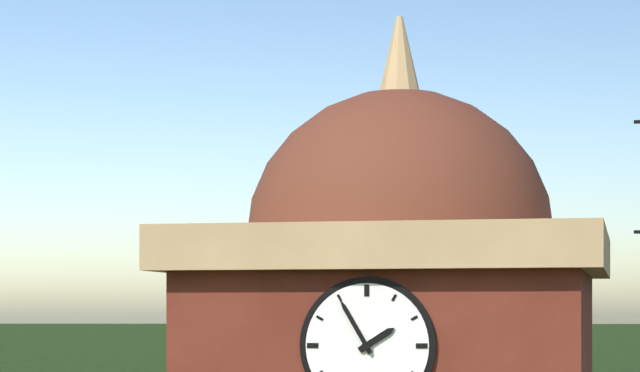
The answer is {"hour": 1, "minute": 55}
